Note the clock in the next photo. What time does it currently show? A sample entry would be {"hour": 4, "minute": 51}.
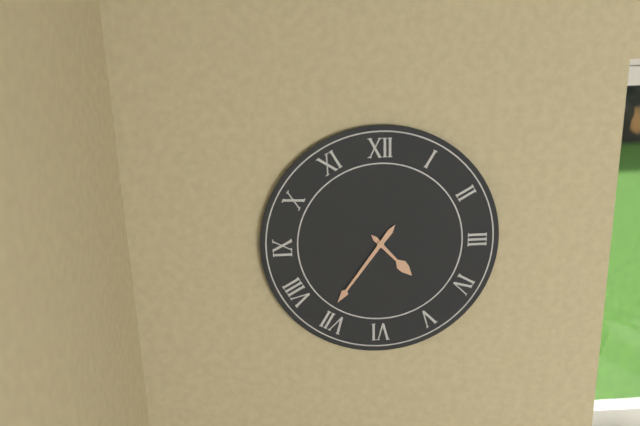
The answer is {"hour": 4, "minute": 36}
